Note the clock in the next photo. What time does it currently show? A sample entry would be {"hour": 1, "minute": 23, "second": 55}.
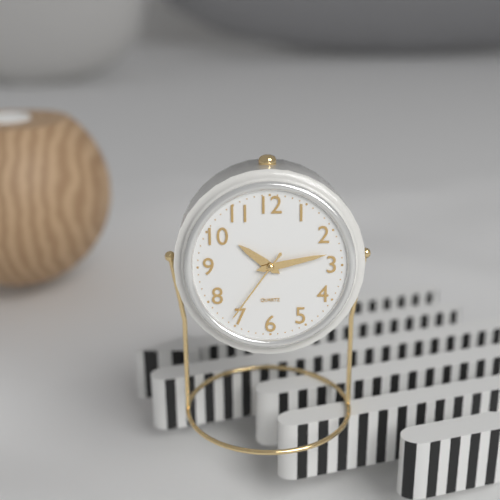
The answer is {"hour": 10, "minute": 13, "second": 36}
